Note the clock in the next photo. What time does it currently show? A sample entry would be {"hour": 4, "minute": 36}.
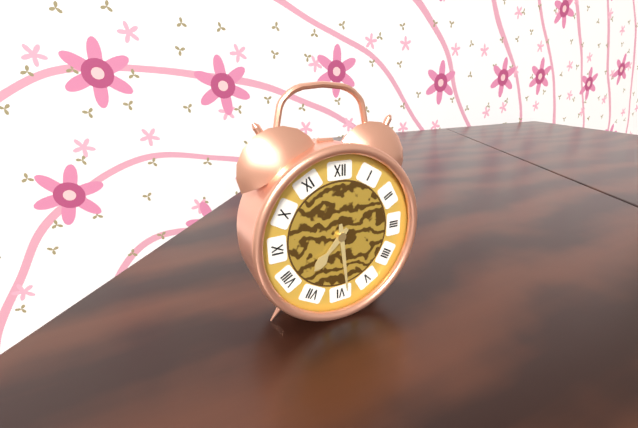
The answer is {"hour": 7, "minute": 29}
